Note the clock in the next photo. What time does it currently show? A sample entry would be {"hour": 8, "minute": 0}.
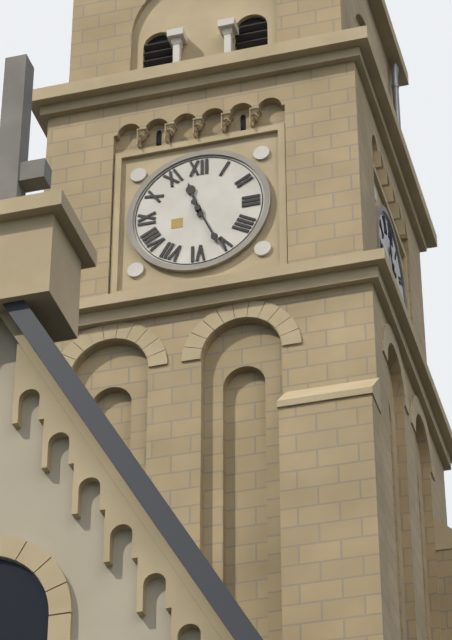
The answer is {"hour": 11, "minute": 26}
